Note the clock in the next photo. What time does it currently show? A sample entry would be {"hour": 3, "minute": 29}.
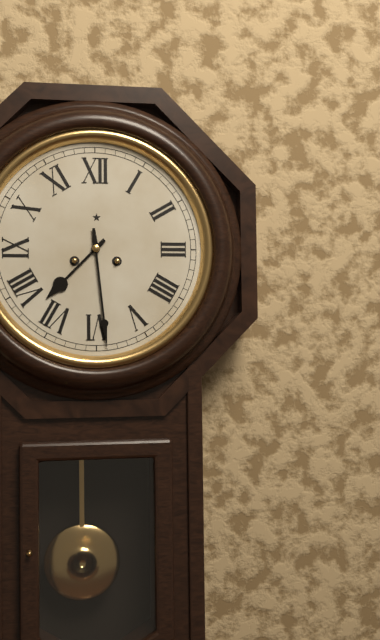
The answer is {"hour": 7, "minute": 29}
